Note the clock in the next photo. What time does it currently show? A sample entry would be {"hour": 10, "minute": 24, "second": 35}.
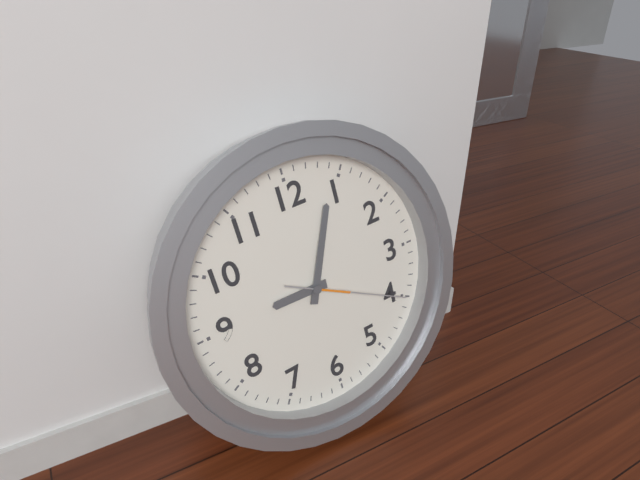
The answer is {"hour": 9, "minute": 4, "second": 20}
